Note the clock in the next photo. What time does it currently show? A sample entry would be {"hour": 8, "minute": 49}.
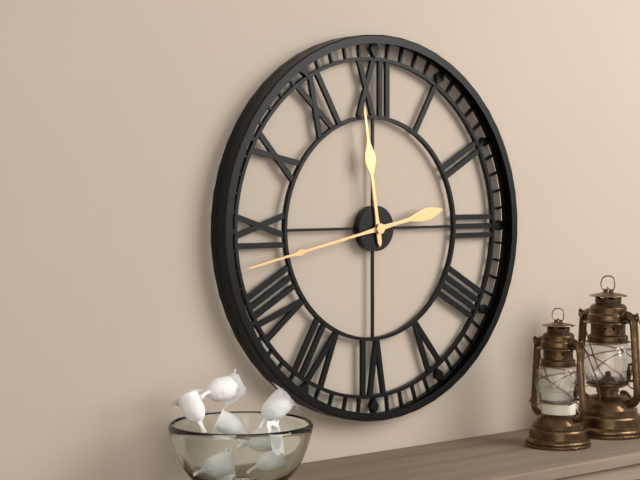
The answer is {"hour": 11, "minute": 43}
